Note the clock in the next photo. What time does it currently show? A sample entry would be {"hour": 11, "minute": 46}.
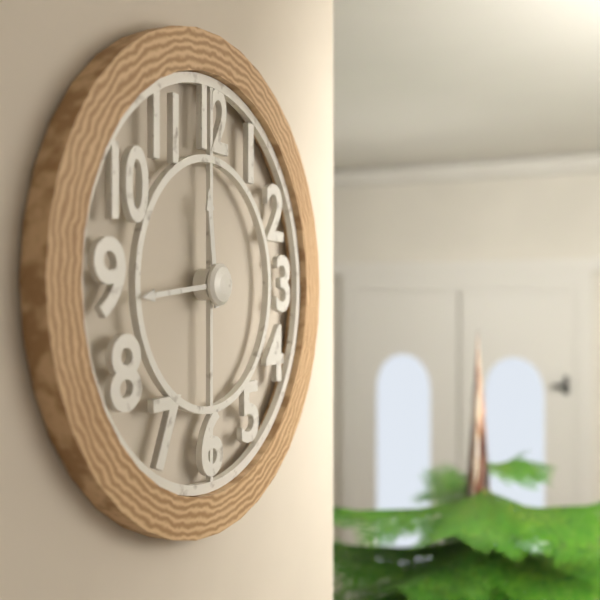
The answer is {"hour": 11, "minute": 44}
